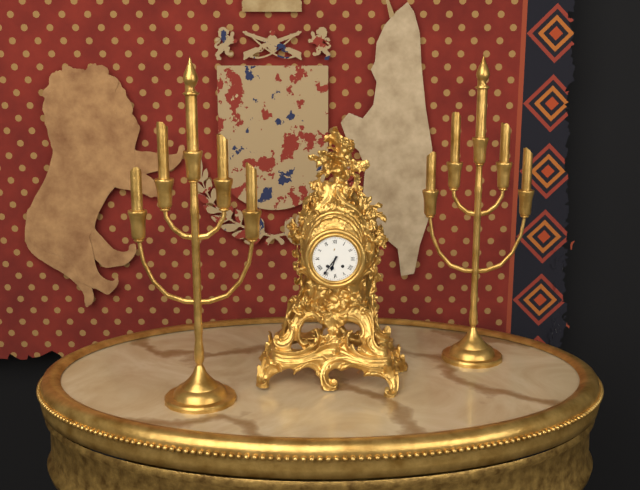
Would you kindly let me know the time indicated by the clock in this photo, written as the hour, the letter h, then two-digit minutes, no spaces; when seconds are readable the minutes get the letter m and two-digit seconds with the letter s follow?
6h36
